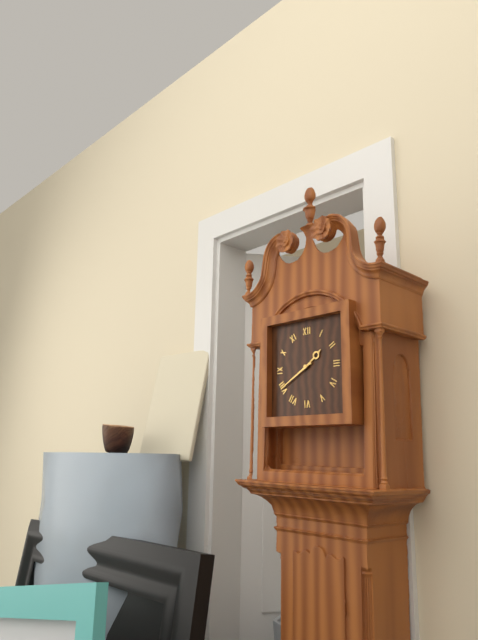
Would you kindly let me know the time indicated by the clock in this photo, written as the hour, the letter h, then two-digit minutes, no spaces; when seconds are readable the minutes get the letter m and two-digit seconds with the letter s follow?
1h40
